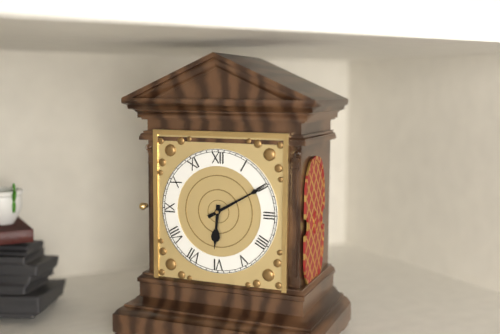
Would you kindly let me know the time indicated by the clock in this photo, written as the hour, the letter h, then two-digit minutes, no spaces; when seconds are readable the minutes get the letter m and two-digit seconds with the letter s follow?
6h10
